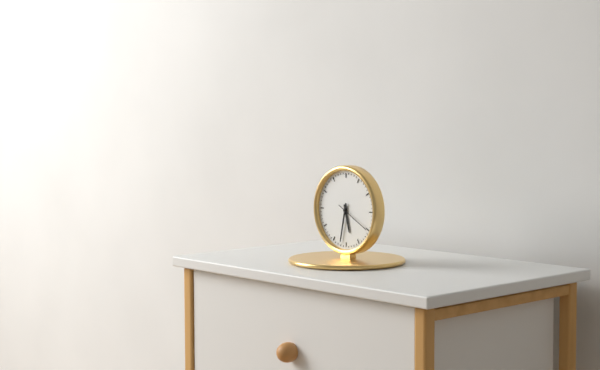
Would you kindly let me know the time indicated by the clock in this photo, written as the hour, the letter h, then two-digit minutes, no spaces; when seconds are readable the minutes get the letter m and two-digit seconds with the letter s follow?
5h32
